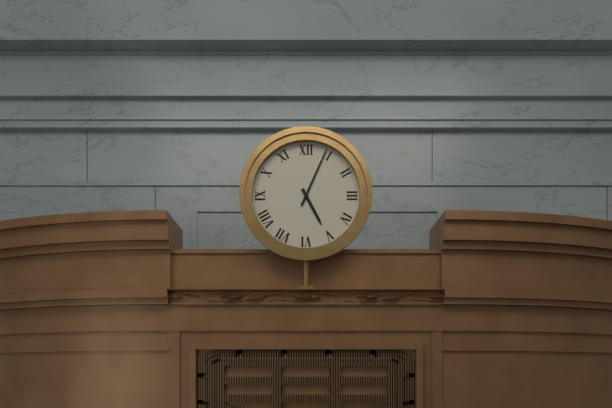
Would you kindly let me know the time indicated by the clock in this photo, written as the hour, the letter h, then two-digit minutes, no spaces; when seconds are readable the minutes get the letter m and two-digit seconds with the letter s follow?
5h04
